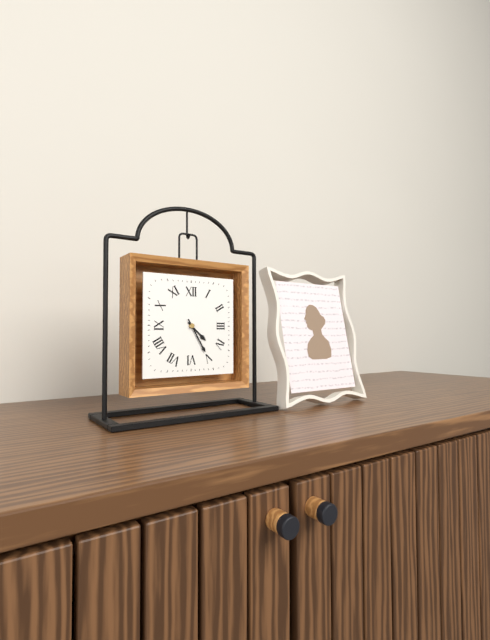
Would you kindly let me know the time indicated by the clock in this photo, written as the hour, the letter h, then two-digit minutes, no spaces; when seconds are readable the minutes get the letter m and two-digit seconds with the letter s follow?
4h25
